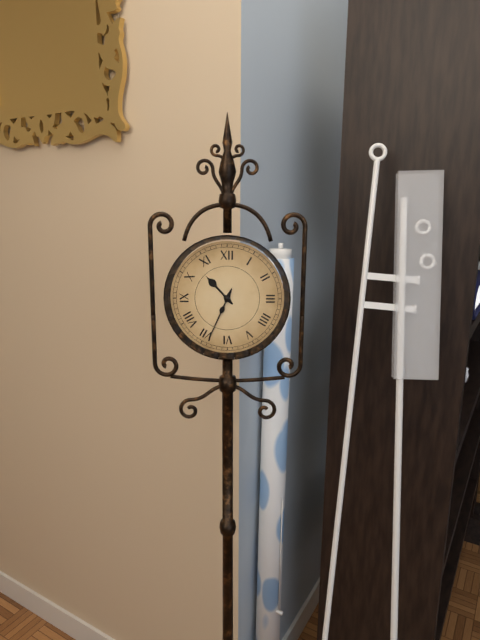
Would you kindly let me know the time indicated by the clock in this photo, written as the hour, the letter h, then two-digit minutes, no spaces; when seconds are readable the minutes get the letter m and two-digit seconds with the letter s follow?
10h34
